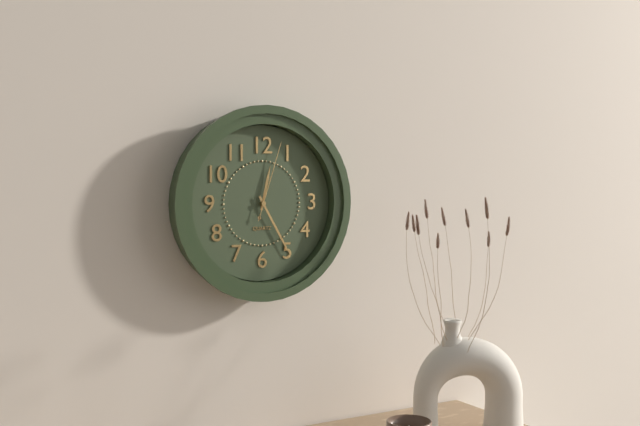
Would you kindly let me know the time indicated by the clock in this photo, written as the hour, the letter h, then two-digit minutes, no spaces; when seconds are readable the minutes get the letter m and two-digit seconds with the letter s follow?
12h25m03s
